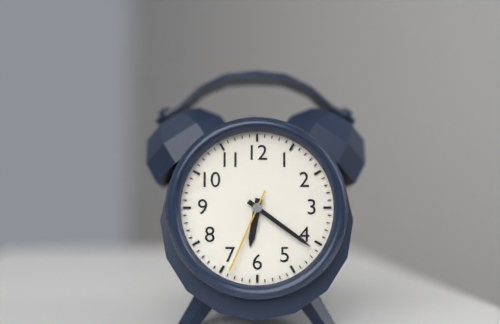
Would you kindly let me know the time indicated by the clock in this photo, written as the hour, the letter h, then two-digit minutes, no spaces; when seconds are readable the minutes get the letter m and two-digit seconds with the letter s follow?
6h21m34s
